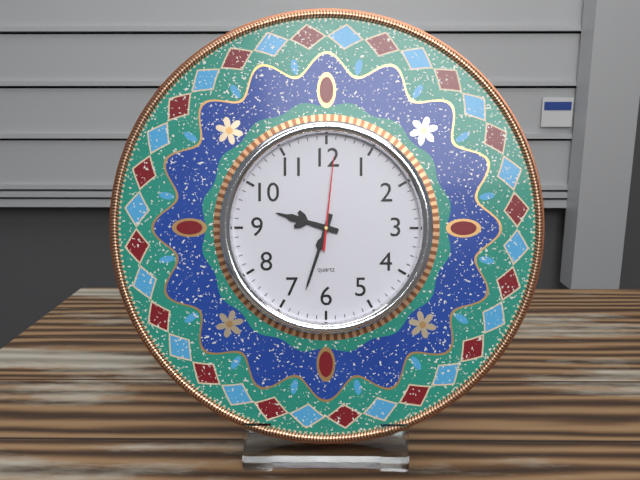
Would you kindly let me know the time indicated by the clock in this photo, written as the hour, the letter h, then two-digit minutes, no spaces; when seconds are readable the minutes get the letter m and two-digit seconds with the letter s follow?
9h33m01s
